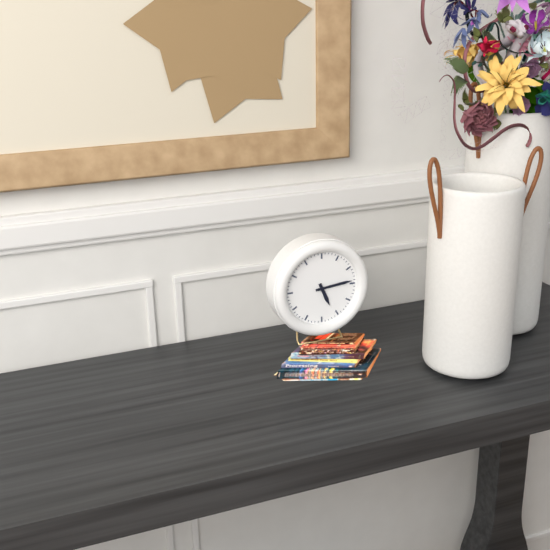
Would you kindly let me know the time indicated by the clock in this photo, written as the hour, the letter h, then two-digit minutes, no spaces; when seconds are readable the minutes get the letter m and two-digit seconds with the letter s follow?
5h14
